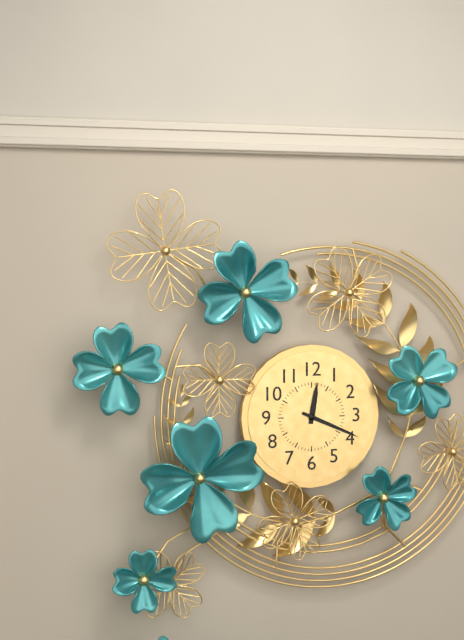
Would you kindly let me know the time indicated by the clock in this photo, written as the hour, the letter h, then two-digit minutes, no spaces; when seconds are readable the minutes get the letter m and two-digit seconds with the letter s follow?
12h19
